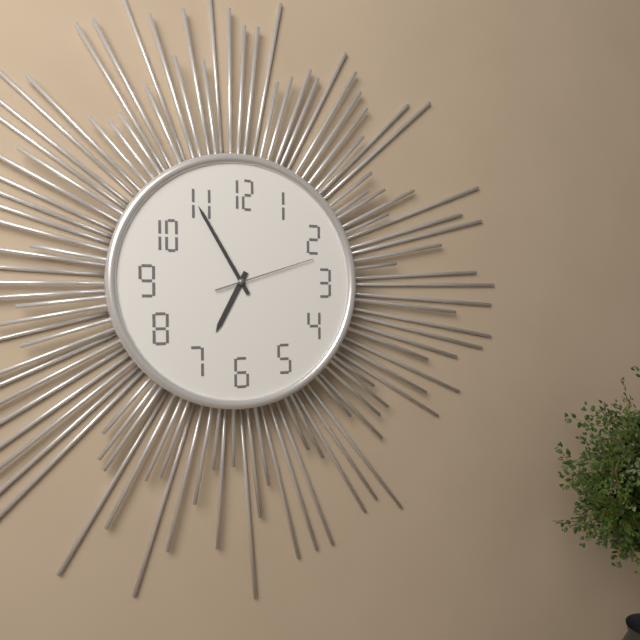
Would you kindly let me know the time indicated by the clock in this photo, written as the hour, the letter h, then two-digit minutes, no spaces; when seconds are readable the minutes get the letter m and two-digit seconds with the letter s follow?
6h55m12s
